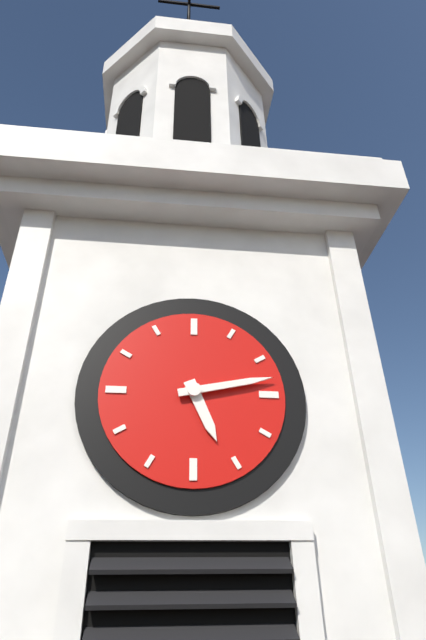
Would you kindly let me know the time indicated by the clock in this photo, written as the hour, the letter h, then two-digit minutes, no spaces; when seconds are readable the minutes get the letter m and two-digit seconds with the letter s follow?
5h13
